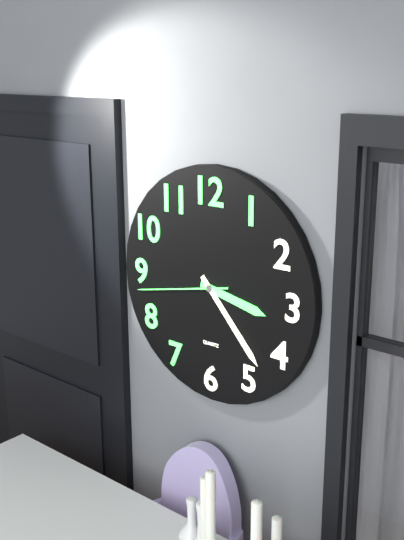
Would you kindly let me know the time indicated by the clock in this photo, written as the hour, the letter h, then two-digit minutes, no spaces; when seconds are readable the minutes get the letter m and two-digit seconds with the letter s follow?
3h23m43s
